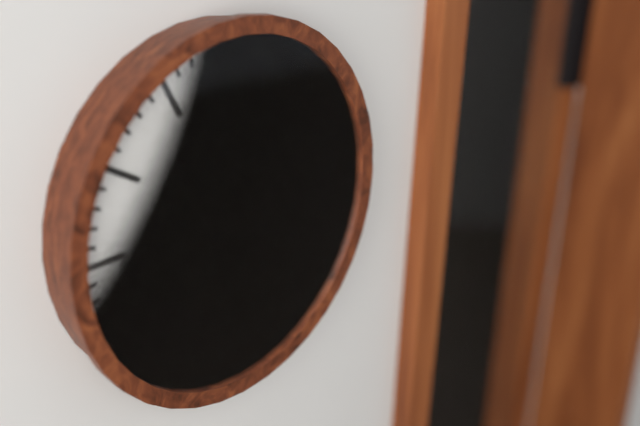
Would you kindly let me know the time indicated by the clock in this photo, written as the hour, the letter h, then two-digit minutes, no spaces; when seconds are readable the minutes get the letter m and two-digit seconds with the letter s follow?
5h13
